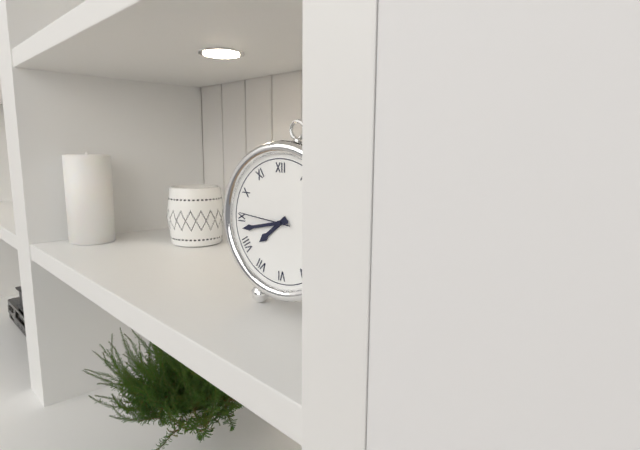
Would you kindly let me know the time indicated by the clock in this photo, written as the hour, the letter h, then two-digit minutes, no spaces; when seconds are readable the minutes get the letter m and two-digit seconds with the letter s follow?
7h43m46s
